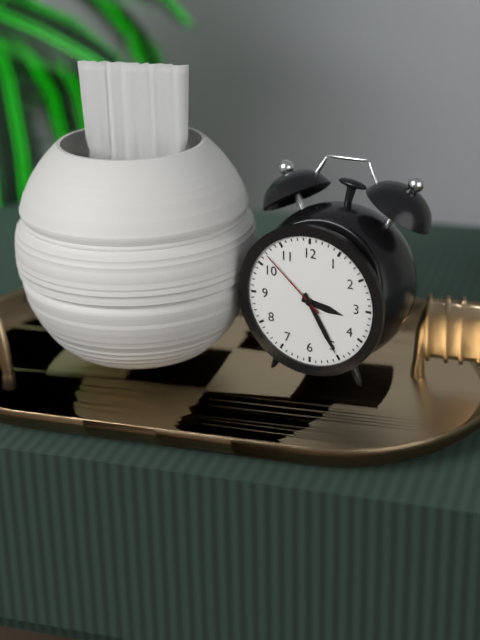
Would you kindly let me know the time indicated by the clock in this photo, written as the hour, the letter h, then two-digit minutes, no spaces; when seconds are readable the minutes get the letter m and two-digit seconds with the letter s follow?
3h25m52s
